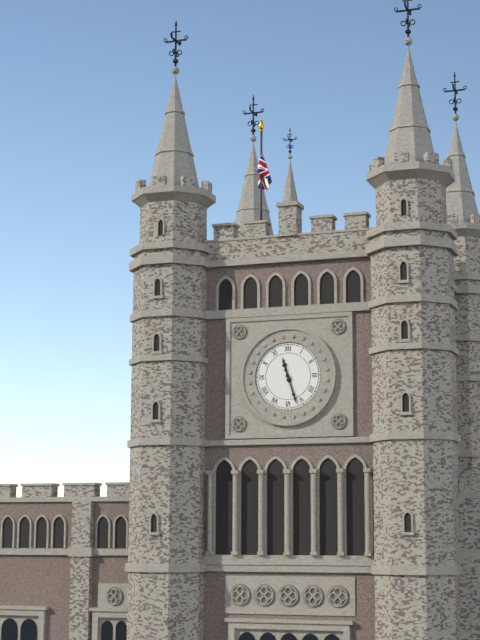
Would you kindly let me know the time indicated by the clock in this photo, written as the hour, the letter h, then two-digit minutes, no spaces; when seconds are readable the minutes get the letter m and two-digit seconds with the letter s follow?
11h27
